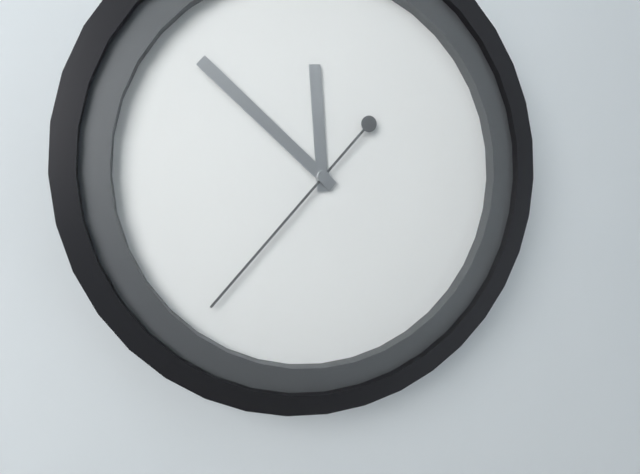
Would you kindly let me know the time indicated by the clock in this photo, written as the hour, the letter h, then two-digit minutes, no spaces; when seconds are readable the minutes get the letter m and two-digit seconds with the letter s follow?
11h52m37s
